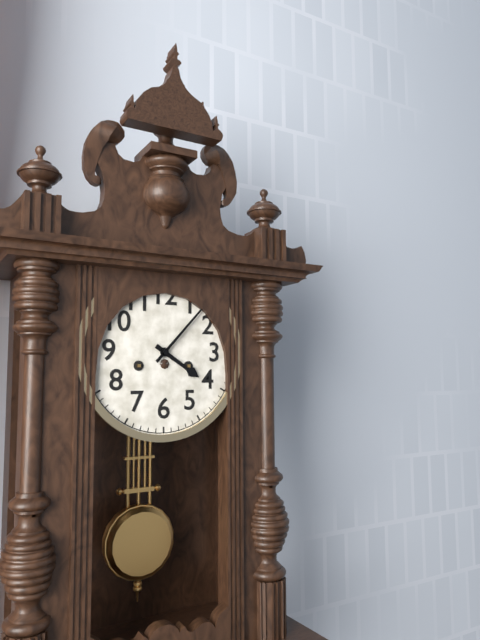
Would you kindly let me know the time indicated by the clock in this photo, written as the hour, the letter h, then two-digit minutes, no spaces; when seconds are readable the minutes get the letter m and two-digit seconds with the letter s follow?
4h07
